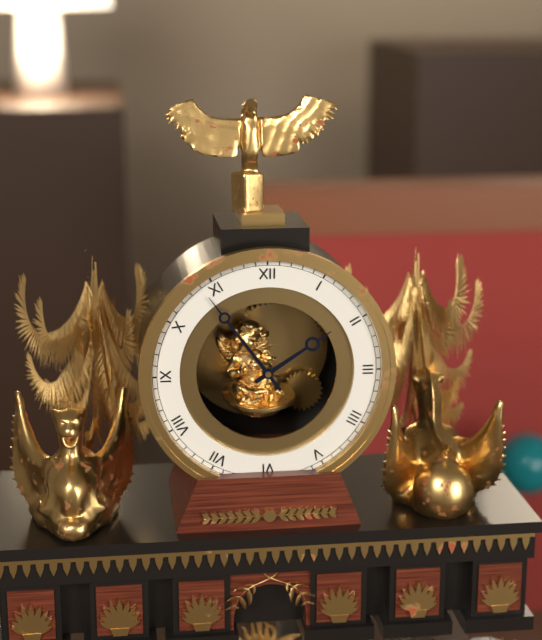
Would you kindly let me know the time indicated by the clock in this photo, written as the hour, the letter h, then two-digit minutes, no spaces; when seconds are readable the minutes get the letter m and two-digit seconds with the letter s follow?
1h54
